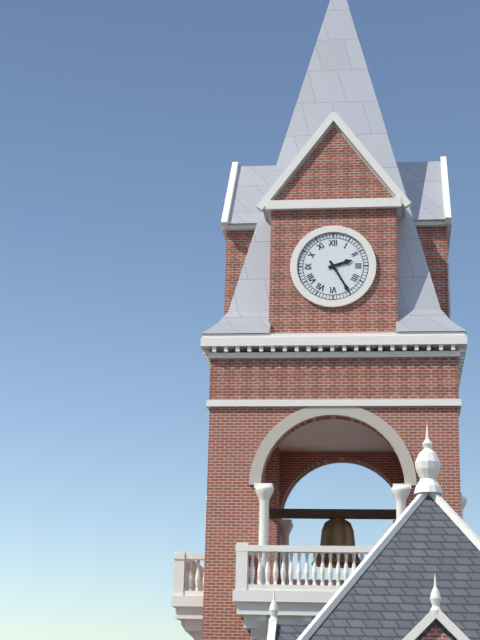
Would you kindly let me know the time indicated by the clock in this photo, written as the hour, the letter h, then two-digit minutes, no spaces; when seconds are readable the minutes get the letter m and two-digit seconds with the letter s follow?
2h25
